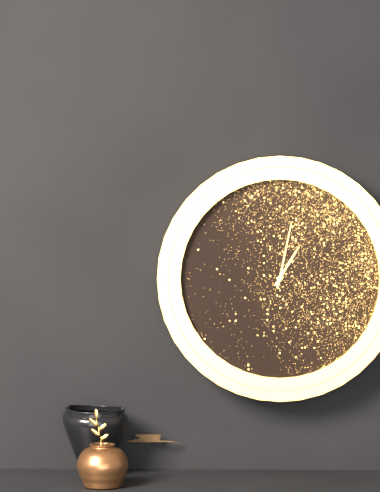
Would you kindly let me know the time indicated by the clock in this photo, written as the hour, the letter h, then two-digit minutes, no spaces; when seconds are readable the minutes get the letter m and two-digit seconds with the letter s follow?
1h02
